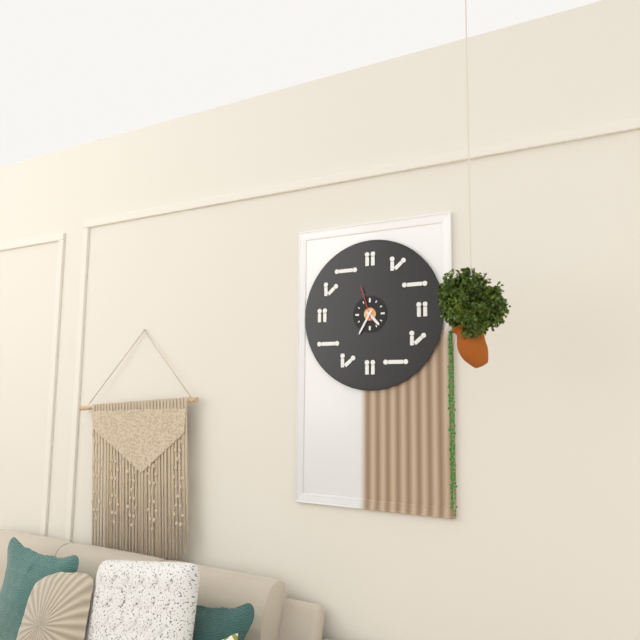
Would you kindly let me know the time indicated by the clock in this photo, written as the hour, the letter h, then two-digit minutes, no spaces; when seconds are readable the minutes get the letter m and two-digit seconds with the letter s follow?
4h35
